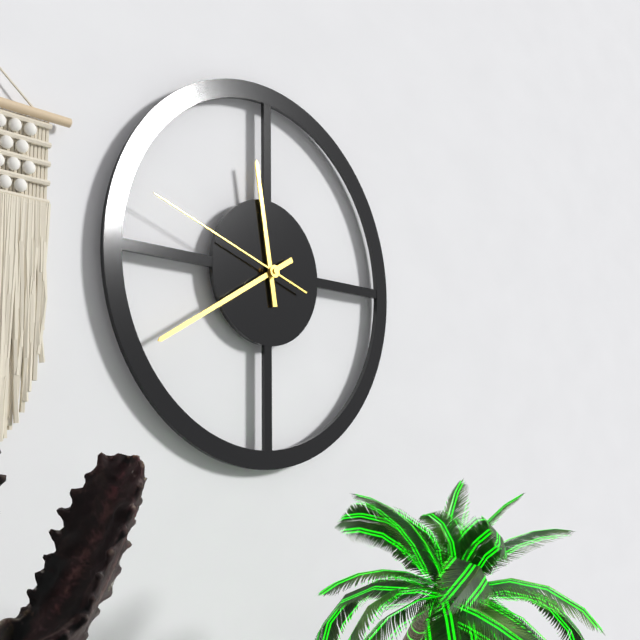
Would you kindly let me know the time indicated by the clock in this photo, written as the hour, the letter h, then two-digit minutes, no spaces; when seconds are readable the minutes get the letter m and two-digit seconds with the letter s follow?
11h40m48s
